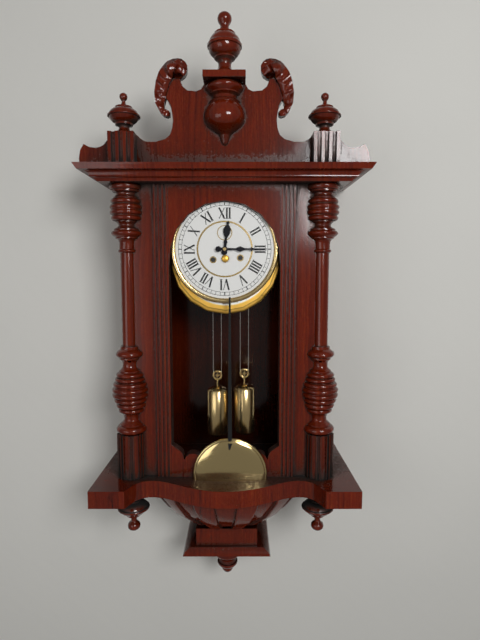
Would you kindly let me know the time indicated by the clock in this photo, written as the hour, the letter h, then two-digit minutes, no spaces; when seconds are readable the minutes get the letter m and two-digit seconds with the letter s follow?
12h15
